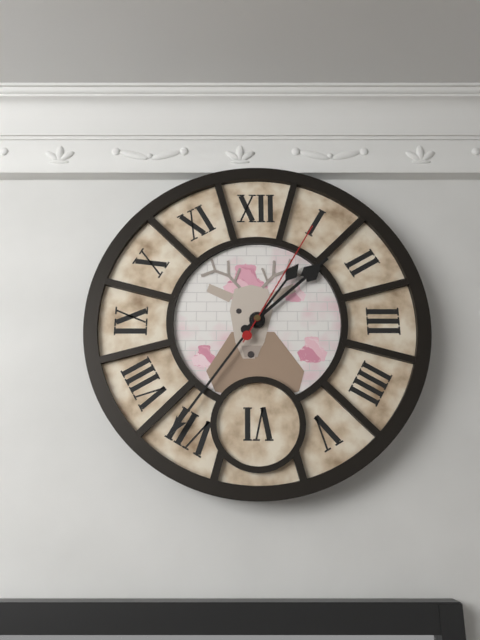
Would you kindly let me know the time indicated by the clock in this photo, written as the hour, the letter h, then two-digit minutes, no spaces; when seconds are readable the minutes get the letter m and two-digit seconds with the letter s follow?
1h36m05s
